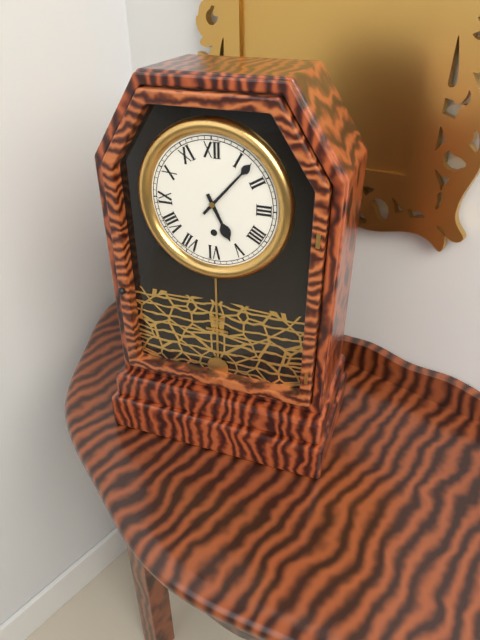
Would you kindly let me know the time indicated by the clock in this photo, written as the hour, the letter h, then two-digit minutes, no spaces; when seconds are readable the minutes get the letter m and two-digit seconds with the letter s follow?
5h07
